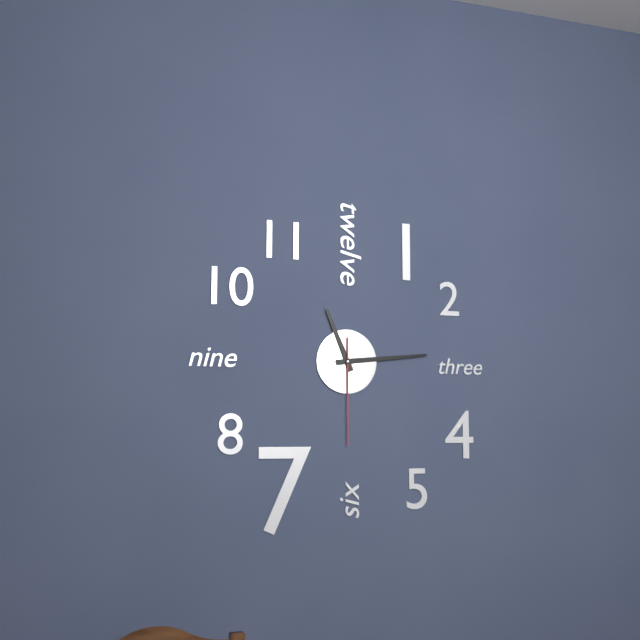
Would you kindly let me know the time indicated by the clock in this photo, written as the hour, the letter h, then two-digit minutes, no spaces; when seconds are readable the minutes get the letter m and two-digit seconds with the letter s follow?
11h14m30s
